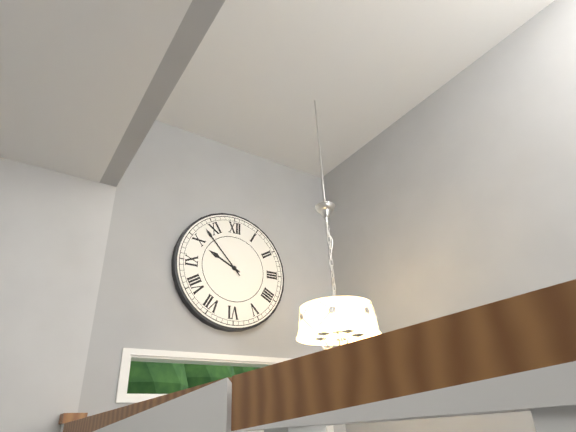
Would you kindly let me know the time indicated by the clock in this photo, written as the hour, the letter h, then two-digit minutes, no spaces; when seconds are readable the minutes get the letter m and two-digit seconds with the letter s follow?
9h53
